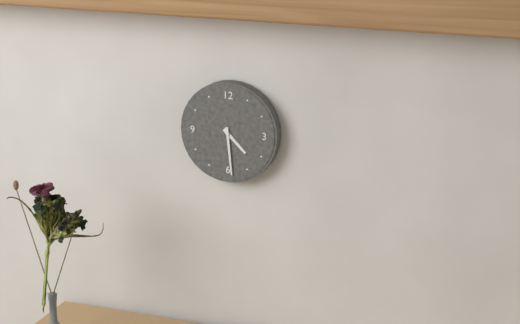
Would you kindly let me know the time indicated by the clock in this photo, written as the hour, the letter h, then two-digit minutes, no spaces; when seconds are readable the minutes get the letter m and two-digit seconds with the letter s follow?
4h29
